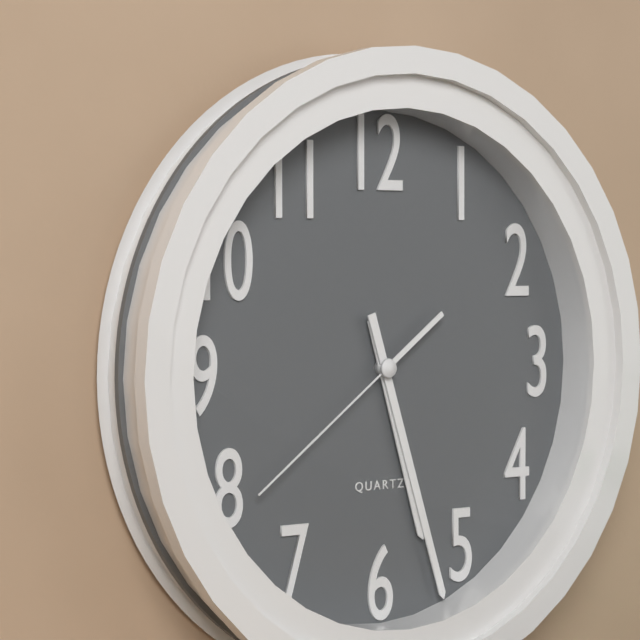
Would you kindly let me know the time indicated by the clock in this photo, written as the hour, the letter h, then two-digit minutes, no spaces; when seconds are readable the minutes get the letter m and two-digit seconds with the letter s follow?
5h27m39s
